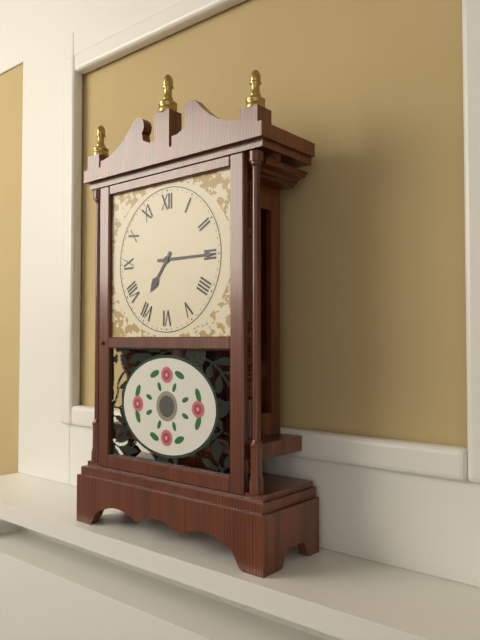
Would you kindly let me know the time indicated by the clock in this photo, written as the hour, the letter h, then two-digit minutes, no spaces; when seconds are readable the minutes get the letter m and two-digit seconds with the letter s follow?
7h15
